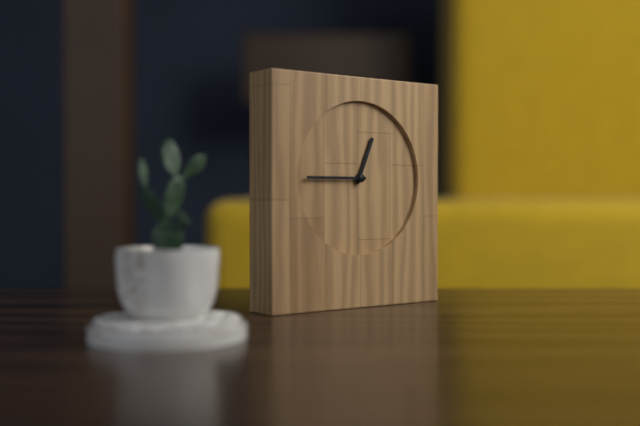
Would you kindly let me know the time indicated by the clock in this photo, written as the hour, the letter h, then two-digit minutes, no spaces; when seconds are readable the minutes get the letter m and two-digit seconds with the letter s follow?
12h45
